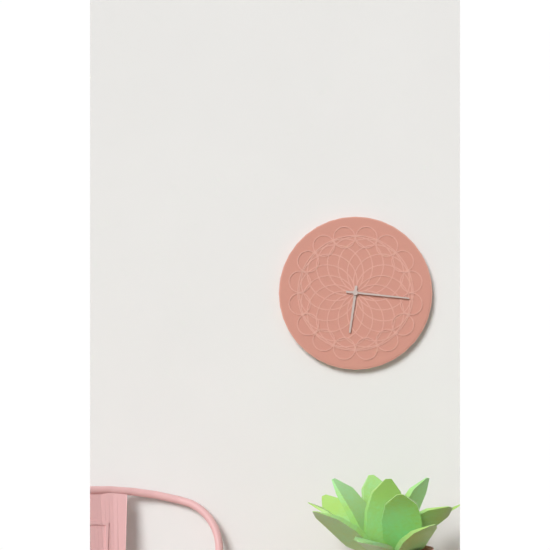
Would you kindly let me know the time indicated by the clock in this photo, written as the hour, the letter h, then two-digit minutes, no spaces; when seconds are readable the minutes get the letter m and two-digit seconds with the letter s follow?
6h16
